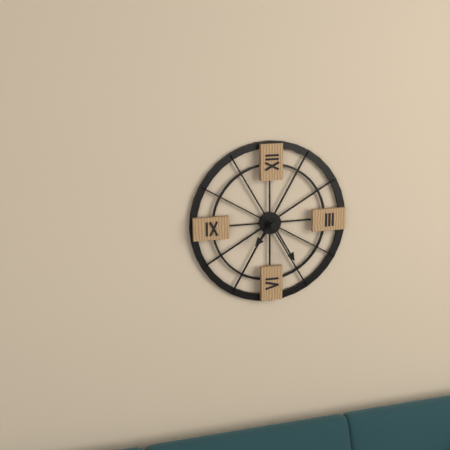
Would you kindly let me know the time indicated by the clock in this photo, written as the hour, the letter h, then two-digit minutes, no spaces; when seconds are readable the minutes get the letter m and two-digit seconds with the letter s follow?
7h25
